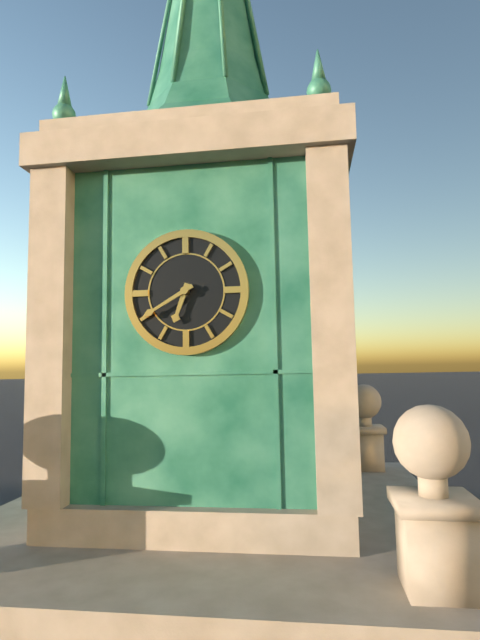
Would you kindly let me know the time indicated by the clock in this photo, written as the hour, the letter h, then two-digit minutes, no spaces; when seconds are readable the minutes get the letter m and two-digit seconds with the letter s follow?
6h40
